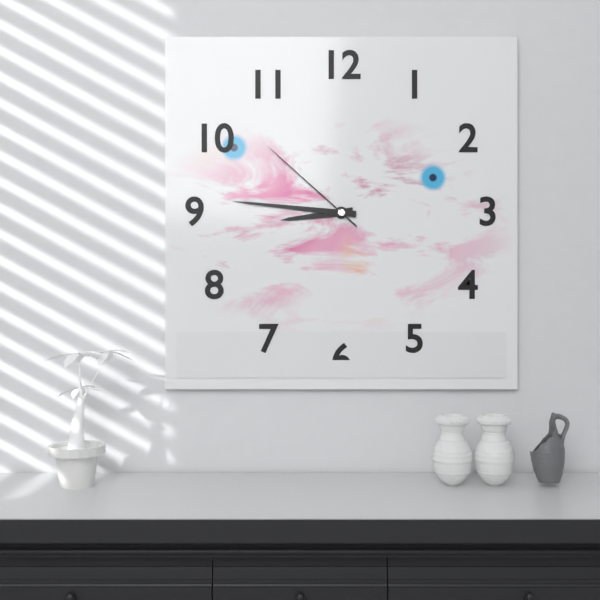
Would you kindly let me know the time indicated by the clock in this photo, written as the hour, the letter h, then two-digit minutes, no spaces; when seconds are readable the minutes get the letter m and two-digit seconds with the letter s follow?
8h46m52s
